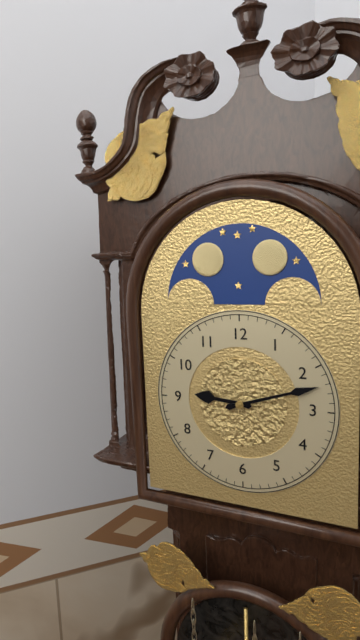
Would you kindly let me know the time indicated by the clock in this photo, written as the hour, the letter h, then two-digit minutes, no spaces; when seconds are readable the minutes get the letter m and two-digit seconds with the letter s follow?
9h12
